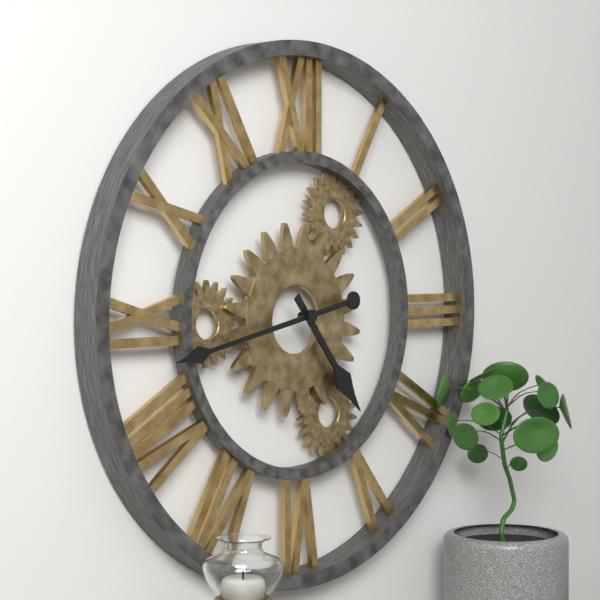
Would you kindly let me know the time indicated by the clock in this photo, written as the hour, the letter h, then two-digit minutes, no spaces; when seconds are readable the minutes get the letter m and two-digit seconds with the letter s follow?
4h43
